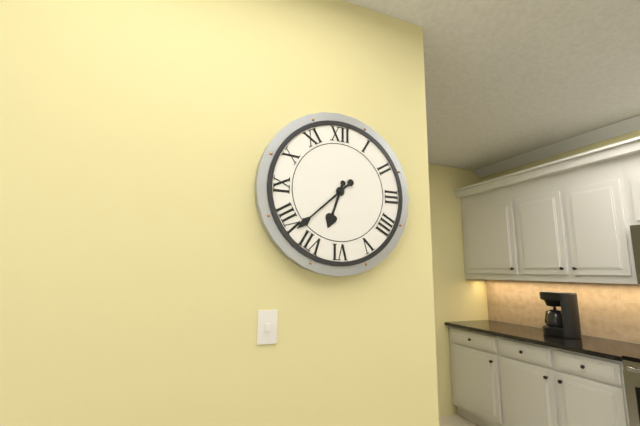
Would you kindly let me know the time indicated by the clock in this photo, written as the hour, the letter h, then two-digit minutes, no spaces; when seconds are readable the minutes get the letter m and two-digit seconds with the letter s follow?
6h38
